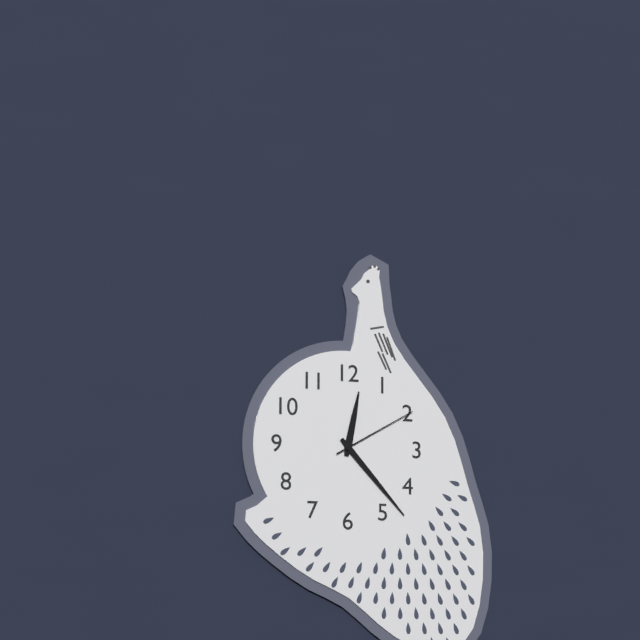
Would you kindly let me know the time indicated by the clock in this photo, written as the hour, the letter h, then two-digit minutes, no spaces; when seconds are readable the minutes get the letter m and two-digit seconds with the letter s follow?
12h23m10s
